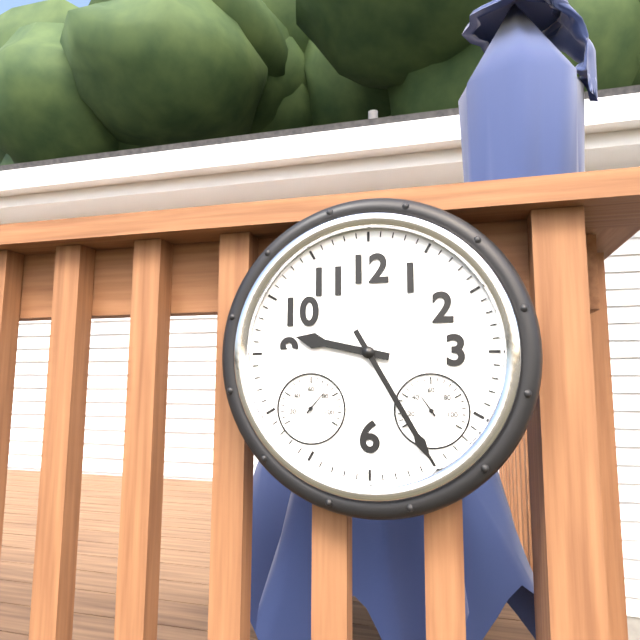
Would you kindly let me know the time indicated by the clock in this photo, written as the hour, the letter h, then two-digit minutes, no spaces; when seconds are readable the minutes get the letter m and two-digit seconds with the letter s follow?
9h25
